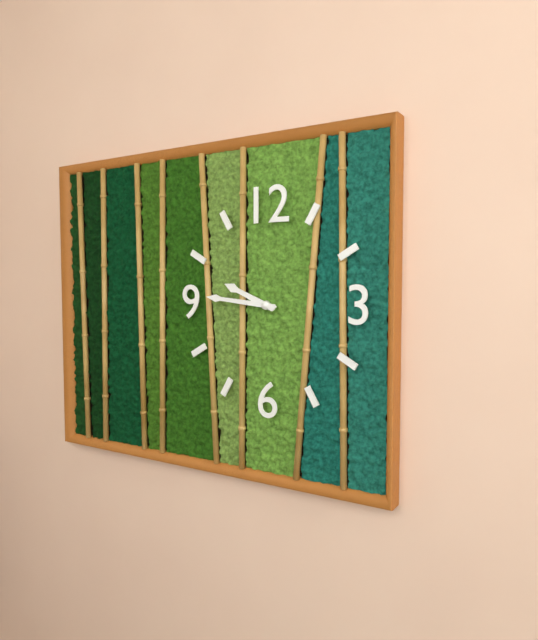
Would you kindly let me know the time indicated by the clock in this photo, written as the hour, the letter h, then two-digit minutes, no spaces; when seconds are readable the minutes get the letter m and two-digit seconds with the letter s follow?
9h46
